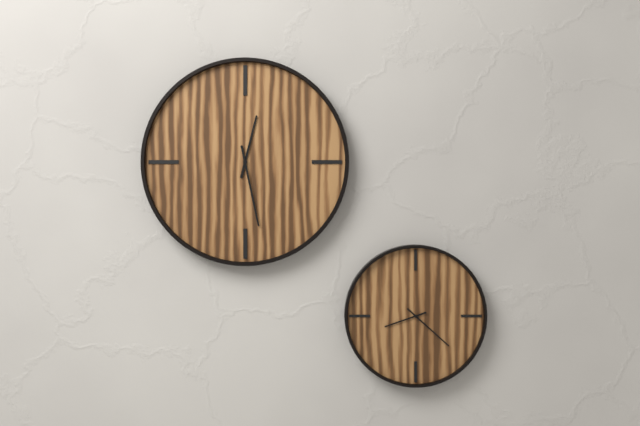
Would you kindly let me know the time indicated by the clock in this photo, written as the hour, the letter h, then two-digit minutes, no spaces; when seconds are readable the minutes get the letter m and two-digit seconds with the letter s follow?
12h28
